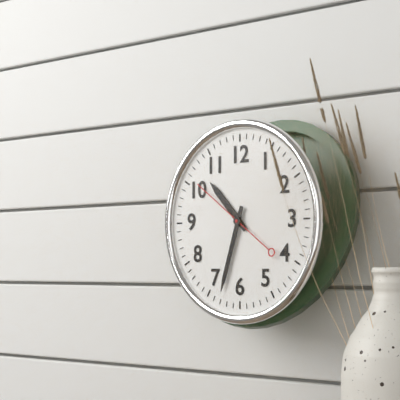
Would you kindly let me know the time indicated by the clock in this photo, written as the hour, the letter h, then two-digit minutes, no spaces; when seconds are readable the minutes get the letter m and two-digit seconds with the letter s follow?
10h33m51s
